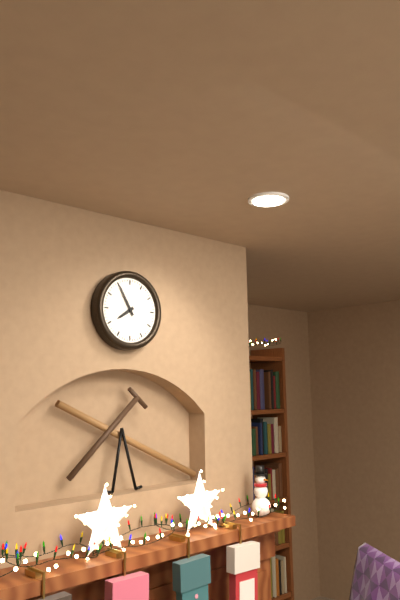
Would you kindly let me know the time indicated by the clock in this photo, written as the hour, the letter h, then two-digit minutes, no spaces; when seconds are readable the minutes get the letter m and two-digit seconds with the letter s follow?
7h55
